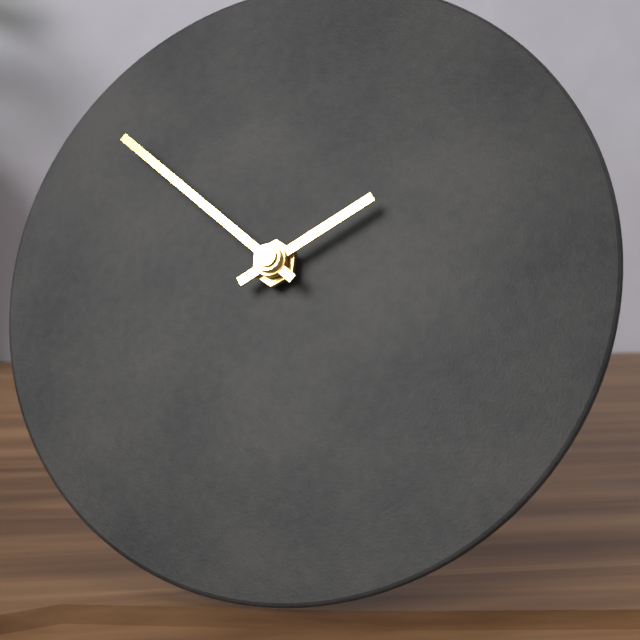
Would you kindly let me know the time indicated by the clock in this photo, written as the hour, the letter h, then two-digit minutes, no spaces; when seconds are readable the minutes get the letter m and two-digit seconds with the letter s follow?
1h51
